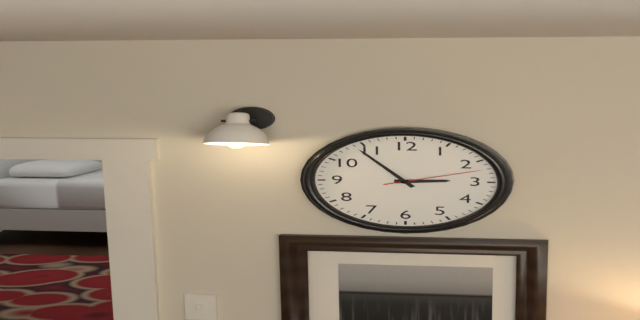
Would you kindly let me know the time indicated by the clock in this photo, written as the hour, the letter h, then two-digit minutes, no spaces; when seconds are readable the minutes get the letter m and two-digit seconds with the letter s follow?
2h54m12s
